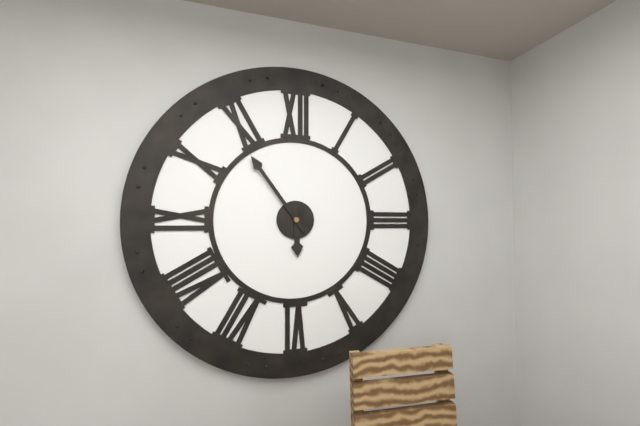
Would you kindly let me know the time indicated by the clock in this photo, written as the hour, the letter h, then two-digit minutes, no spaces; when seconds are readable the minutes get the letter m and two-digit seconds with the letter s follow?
5h54
